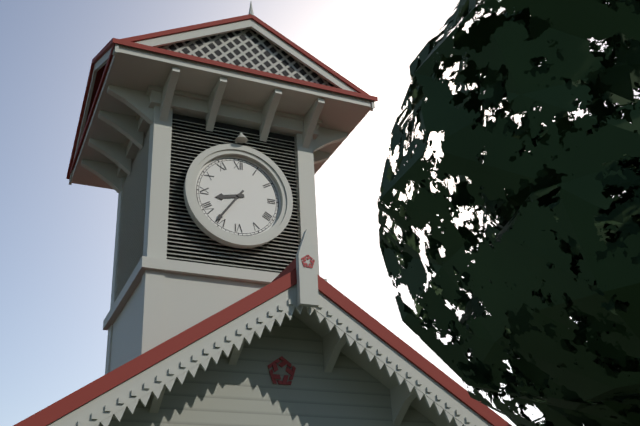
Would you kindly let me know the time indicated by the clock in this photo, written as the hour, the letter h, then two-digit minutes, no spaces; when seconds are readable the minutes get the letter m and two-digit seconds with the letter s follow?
8h36
